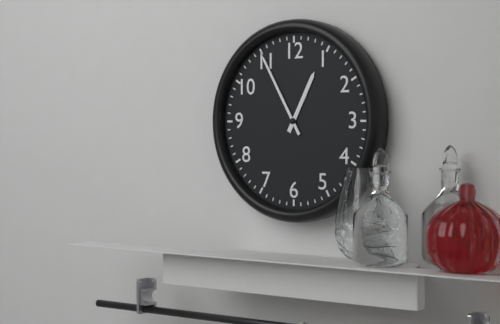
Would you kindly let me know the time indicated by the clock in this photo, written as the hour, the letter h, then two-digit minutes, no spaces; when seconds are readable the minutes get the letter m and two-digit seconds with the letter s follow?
12h55
